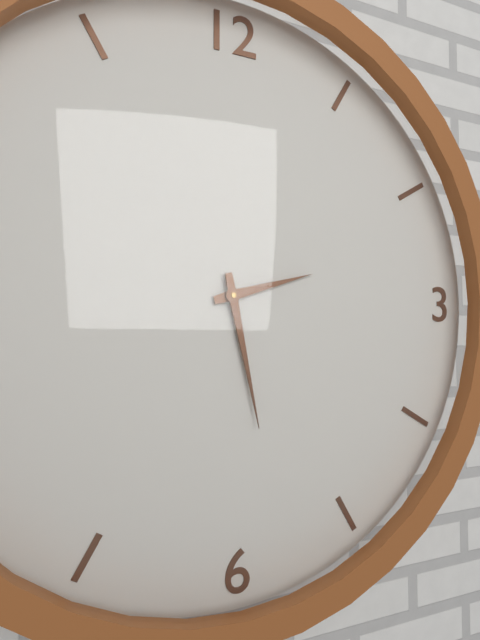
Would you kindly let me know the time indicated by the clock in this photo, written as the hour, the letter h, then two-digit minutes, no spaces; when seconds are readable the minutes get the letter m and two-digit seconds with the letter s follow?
2h28
